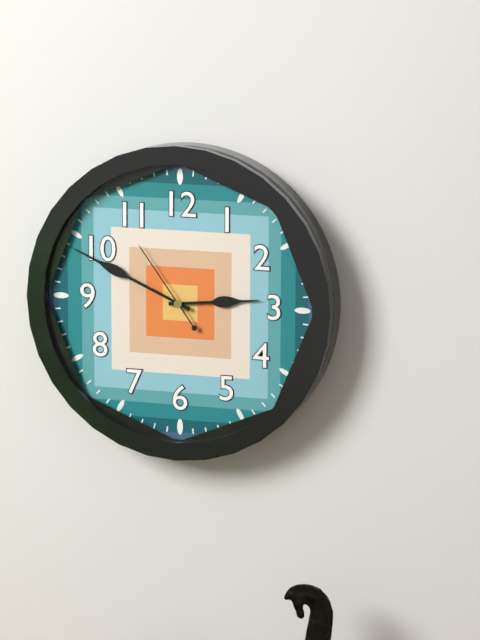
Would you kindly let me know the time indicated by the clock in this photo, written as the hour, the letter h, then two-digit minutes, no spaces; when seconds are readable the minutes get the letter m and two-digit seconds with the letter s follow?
2h49m54s
